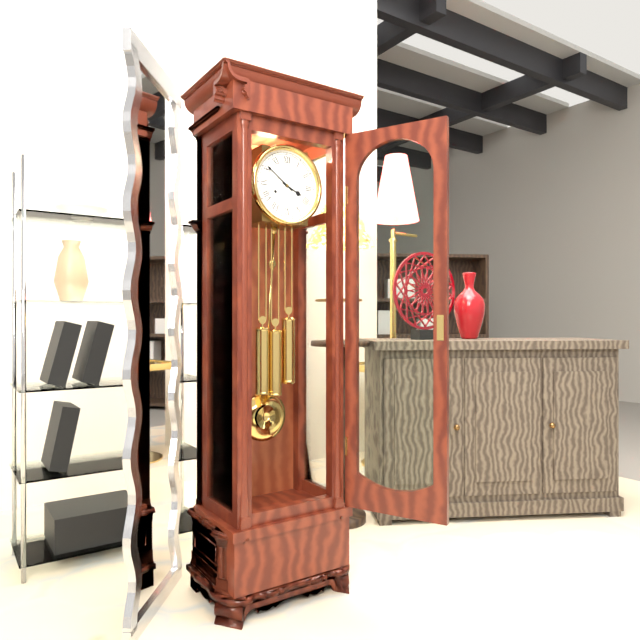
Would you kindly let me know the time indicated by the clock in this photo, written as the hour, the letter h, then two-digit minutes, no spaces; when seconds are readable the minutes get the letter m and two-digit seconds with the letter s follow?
3h51
